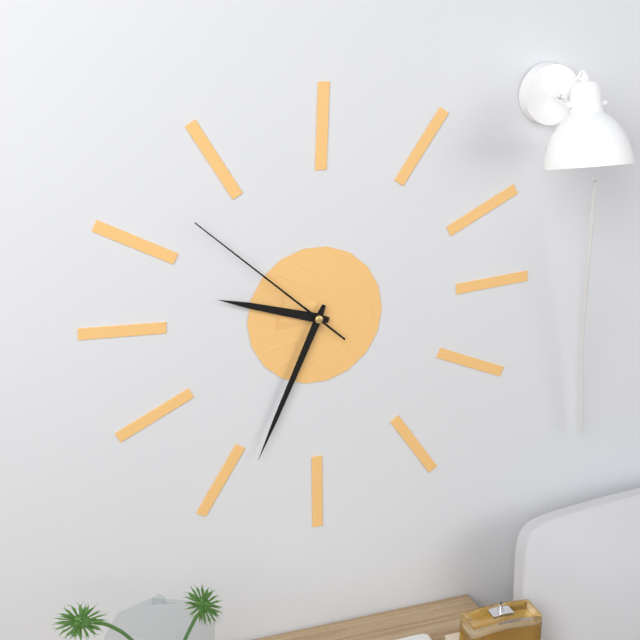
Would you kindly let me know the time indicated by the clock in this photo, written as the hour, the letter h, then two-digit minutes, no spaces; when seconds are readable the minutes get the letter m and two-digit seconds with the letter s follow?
9h34m52s
